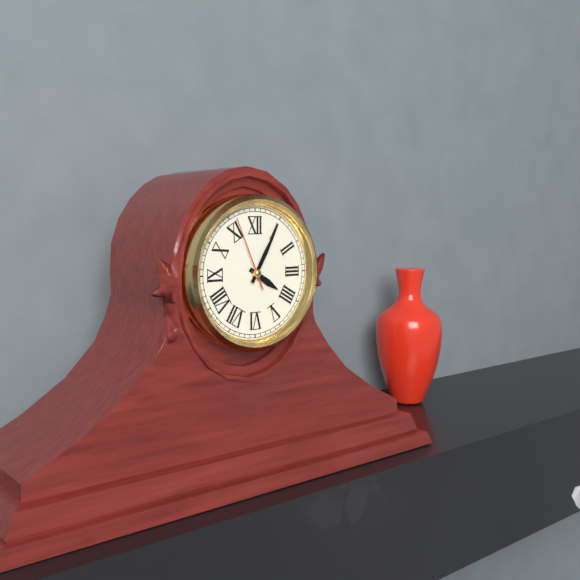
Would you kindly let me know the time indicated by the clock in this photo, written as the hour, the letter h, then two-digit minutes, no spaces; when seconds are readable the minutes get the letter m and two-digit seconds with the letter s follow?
4h05m56s
